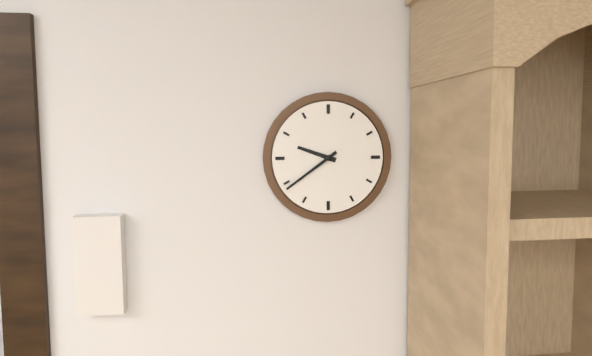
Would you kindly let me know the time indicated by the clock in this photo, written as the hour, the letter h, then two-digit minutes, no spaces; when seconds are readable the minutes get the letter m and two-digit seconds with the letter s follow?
9h39
